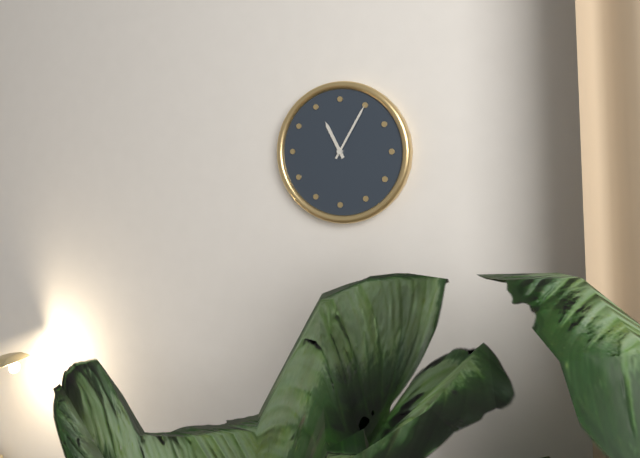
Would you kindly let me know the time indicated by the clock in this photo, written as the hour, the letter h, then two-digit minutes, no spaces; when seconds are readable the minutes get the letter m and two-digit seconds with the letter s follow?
11h05
